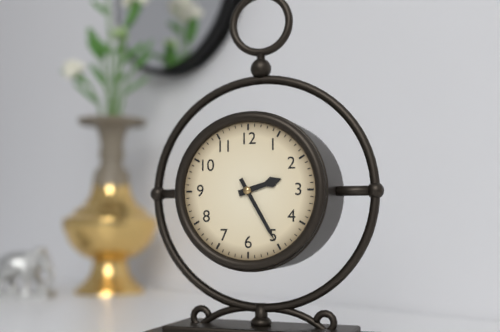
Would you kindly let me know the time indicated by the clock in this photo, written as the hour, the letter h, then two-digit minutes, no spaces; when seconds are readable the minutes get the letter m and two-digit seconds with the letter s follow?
2h25
